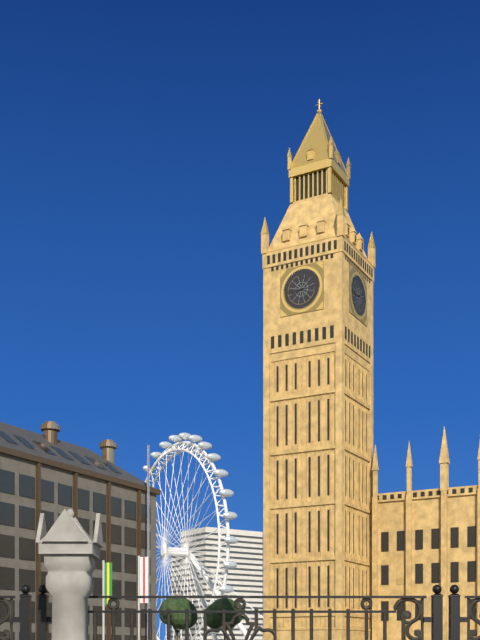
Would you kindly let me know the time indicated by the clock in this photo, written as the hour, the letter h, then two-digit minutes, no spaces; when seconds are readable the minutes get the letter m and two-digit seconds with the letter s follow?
8h45
